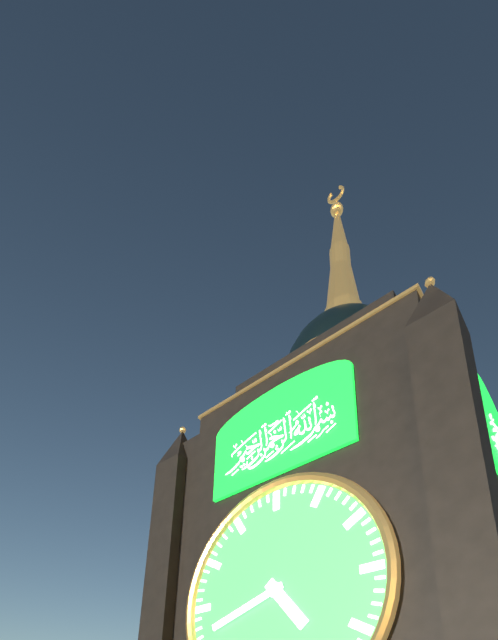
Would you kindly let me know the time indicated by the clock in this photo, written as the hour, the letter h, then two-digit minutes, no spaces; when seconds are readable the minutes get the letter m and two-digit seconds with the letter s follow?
4h42
